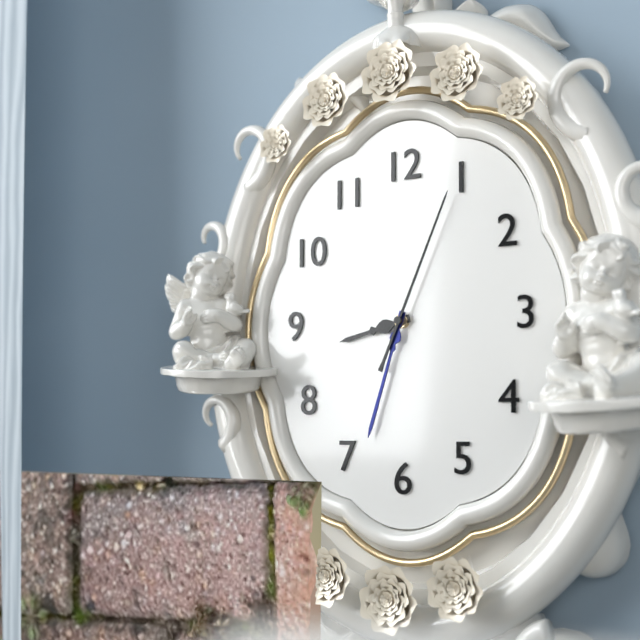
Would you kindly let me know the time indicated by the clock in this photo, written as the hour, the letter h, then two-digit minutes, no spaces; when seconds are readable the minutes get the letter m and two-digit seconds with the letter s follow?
8h33m04s
